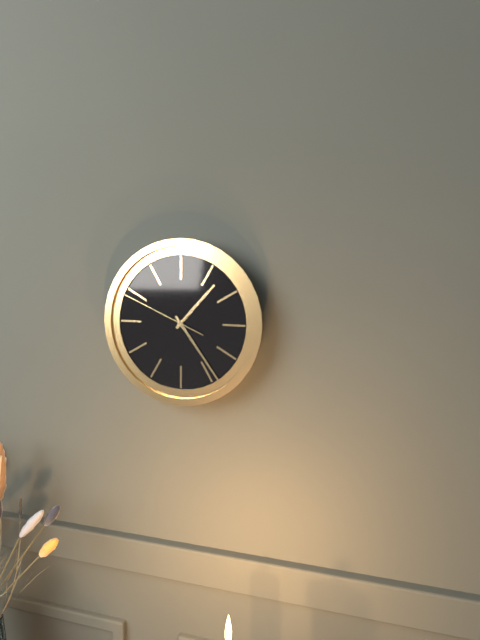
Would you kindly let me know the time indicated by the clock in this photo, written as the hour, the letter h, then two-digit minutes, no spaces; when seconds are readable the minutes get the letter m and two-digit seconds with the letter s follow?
1h24m49s
